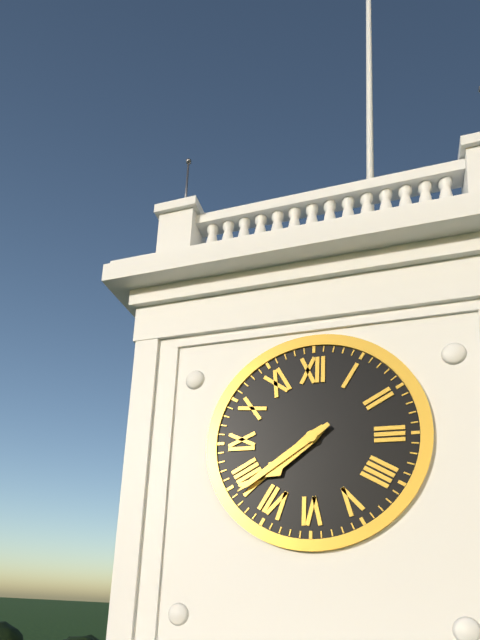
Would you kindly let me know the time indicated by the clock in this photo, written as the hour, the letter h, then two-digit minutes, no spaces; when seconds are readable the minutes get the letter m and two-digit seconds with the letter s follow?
7h39
